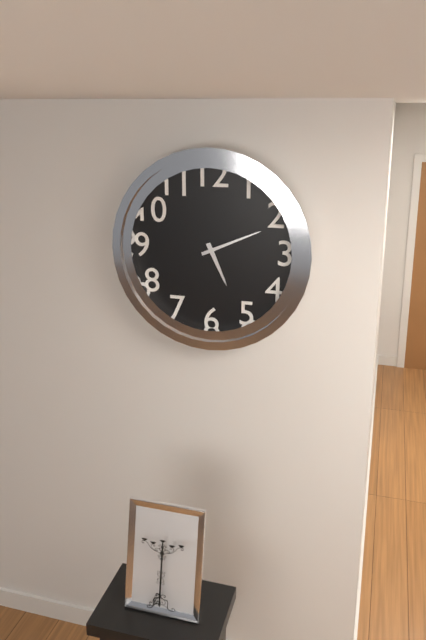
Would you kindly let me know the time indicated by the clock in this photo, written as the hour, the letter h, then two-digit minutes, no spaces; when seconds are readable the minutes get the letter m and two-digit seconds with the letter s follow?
5h11
